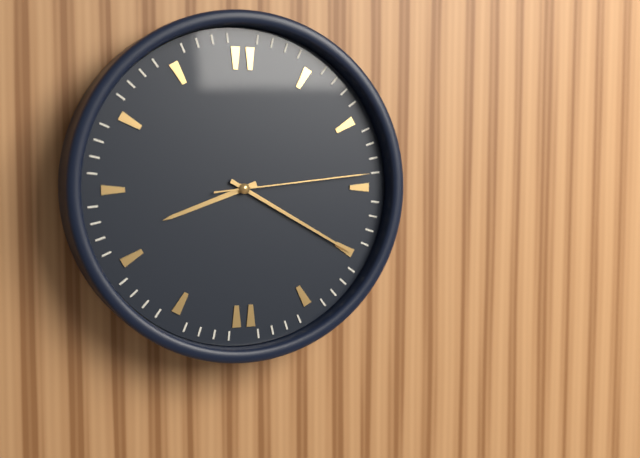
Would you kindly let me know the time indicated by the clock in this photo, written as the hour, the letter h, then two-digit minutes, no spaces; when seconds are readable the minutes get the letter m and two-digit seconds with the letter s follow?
8h20m14s
